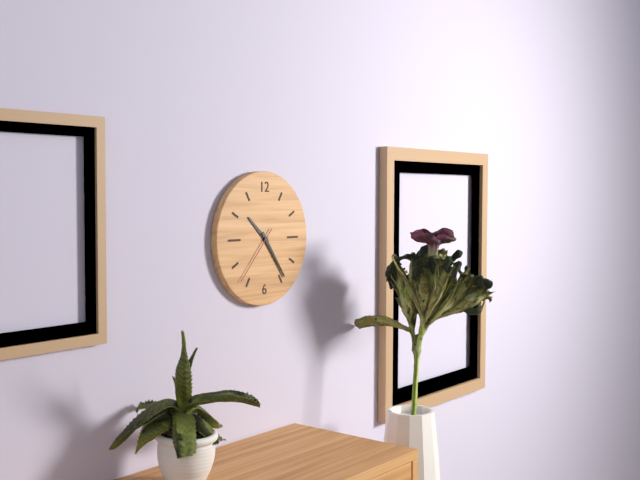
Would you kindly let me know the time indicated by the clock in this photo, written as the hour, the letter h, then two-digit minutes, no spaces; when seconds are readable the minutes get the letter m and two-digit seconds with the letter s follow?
10h24m37s
